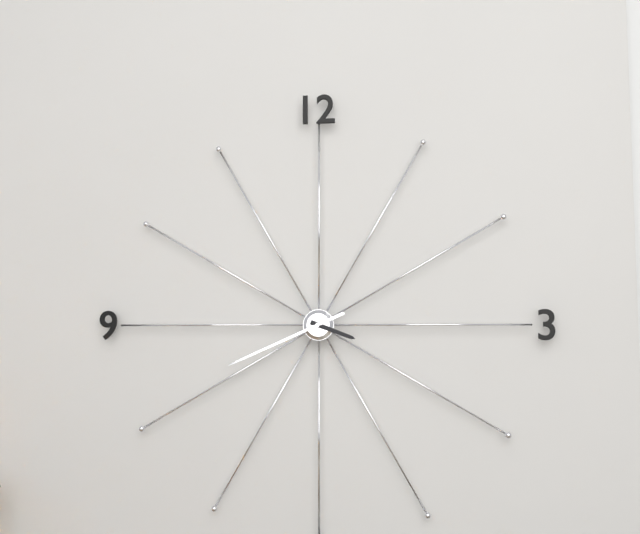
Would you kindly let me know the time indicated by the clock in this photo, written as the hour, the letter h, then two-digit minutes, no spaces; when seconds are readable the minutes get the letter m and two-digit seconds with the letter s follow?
3h41
